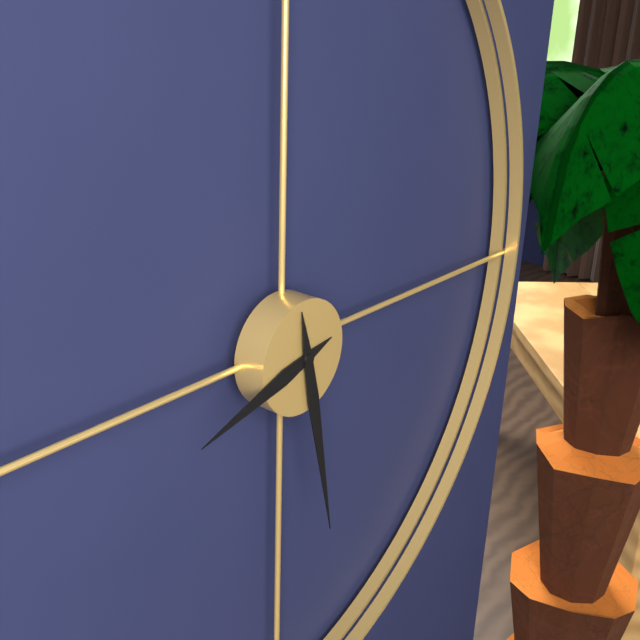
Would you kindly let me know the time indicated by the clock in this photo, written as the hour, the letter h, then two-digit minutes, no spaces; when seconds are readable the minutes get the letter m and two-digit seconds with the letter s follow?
8h28
